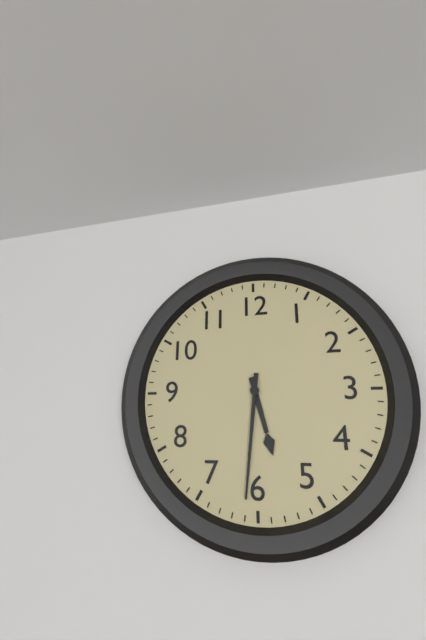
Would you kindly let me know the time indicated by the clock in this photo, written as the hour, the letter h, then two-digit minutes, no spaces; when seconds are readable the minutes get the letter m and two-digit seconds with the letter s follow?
5h31
